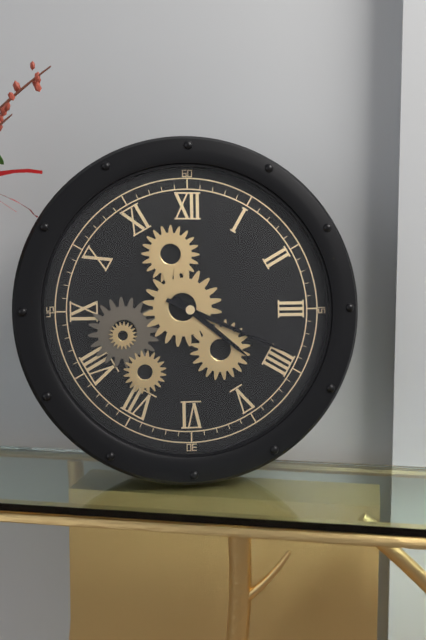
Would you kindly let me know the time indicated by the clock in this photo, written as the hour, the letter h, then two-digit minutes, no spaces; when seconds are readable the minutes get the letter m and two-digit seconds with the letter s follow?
4h19
